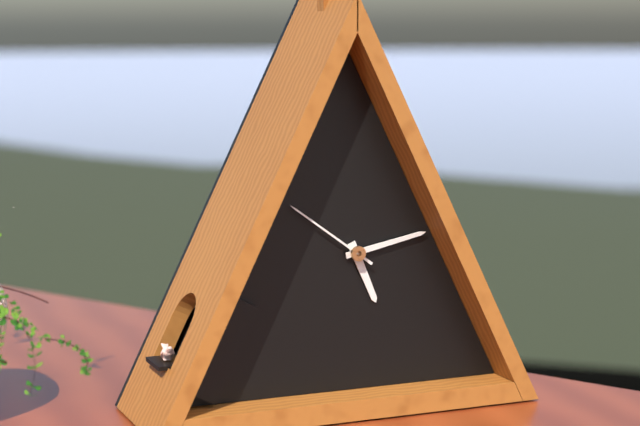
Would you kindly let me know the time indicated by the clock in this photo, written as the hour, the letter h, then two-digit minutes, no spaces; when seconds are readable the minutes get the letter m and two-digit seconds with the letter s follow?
5h13m51s
